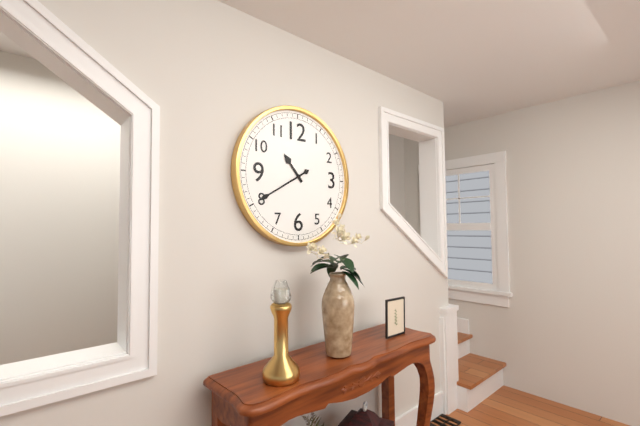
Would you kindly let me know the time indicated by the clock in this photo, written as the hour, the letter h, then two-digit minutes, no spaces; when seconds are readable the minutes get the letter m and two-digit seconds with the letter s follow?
10h40
